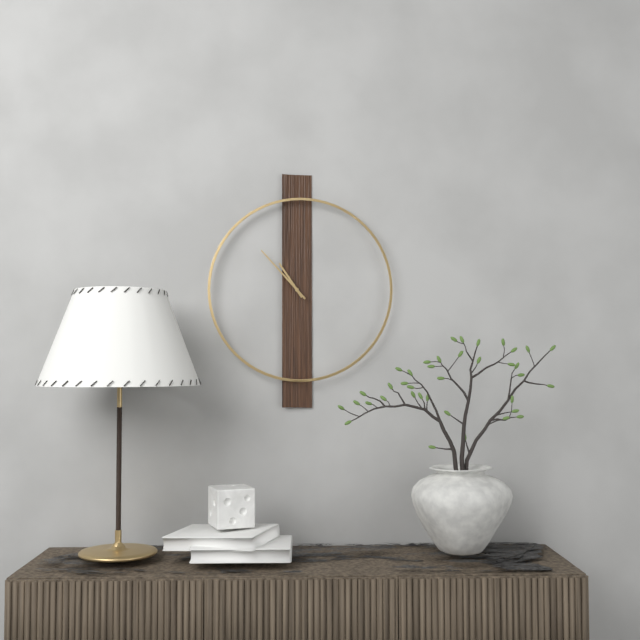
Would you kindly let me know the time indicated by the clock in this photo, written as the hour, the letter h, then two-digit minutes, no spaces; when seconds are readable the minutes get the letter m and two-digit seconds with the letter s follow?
10h53
